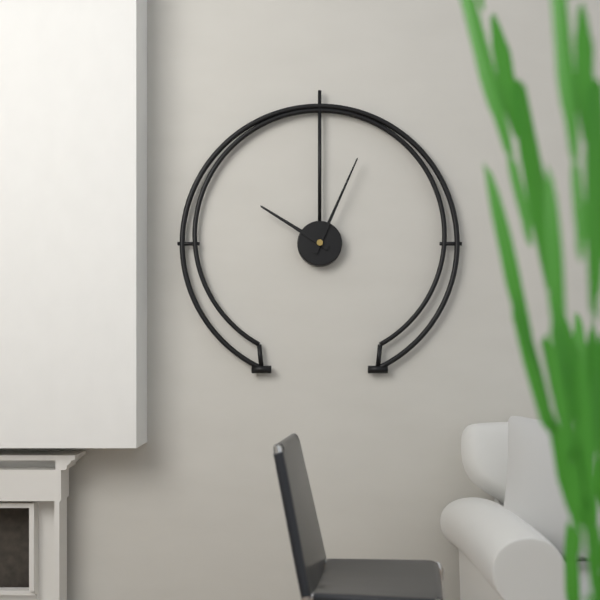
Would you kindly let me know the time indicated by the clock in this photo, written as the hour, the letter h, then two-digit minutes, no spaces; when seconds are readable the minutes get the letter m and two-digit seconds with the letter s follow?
10h04
